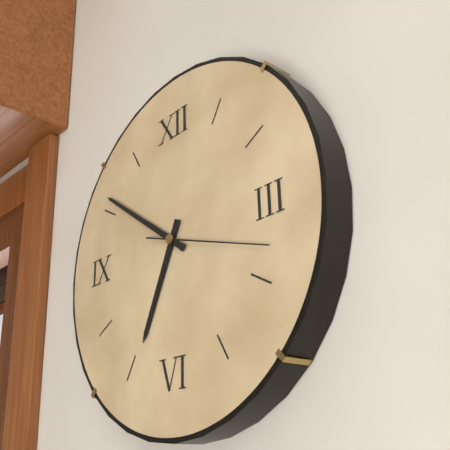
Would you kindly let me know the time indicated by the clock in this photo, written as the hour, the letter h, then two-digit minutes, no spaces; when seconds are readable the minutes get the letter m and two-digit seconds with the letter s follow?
6h51m18s
